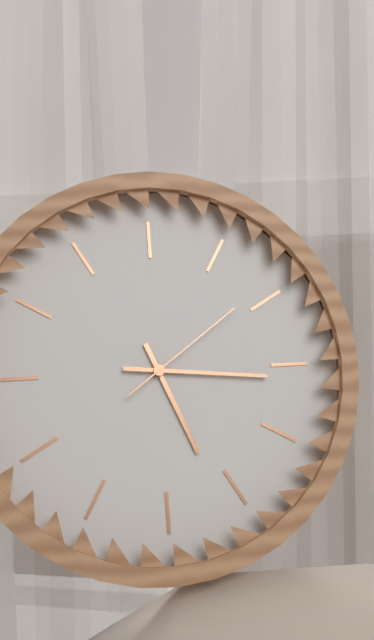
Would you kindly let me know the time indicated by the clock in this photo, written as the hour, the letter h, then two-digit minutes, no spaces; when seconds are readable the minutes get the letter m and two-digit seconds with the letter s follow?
5h16m09s
